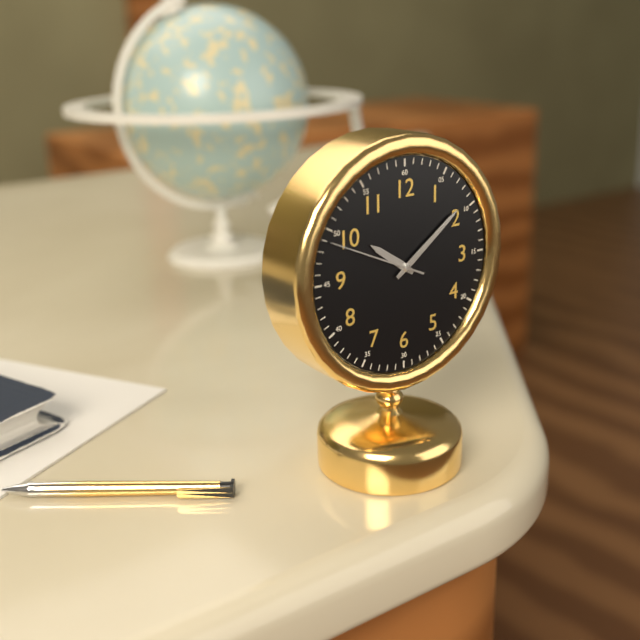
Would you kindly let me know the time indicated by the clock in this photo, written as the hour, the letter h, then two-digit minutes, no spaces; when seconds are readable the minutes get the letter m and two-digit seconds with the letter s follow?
10h09m49s
